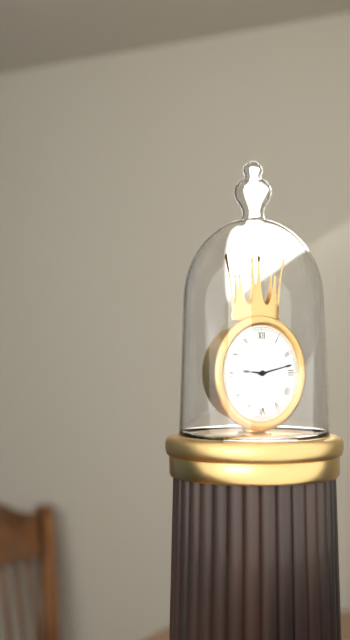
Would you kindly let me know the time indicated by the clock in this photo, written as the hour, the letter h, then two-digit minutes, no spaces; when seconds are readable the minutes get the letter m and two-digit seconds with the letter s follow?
9h13
